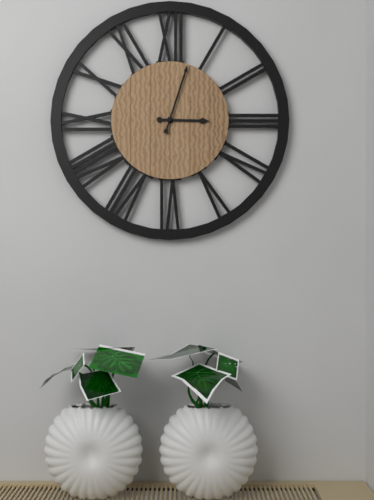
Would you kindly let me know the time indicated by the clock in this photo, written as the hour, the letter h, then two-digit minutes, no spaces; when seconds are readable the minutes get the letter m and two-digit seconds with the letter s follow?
3h03
